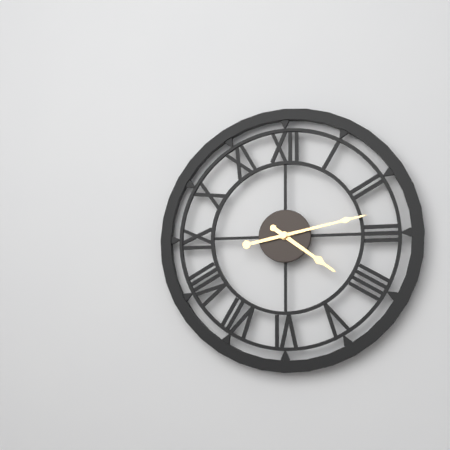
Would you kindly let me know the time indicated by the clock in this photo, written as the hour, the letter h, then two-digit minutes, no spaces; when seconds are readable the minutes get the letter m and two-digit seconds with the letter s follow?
4h13
